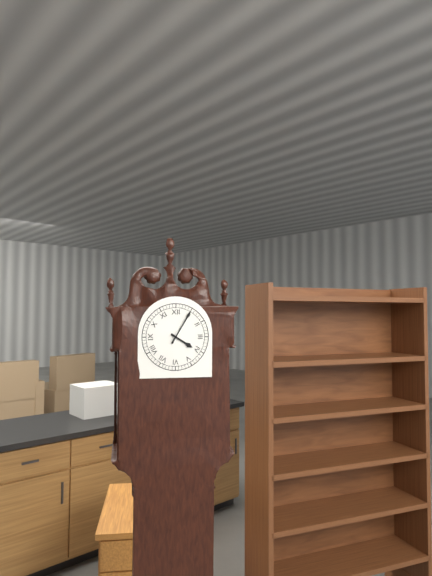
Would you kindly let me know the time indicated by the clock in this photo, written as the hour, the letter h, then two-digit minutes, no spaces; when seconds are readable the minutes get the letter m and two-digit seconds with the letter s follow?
4h05
